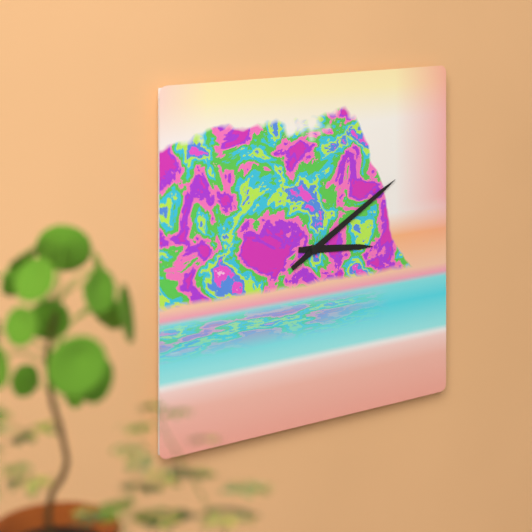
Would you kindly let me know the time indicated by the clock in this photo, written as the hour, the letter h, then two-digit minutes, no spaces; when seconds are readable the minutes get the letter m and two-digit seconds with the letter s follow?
3h10
